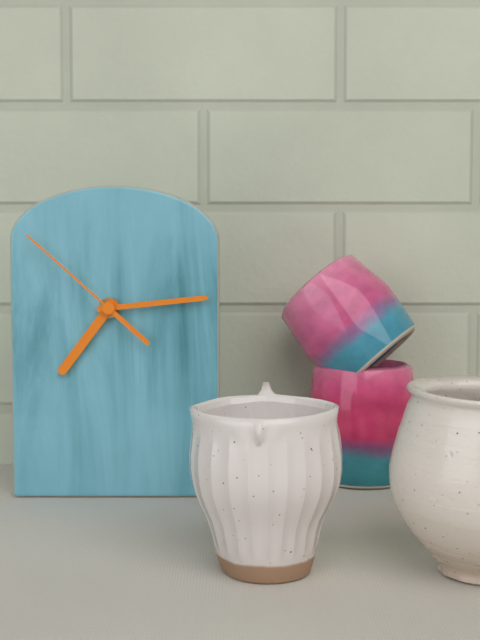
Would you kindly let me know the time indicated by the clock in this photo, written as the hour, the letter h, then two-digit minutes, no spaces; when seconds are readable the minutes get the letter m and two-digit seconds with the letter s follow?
7h14m52s
